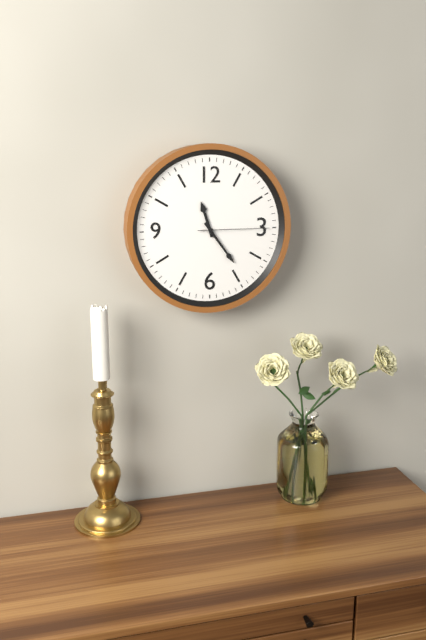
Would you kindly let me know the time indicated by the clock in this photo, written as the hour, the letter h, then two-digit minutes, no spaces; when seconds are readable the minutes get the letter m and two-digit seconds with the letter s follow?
11h24m15s
